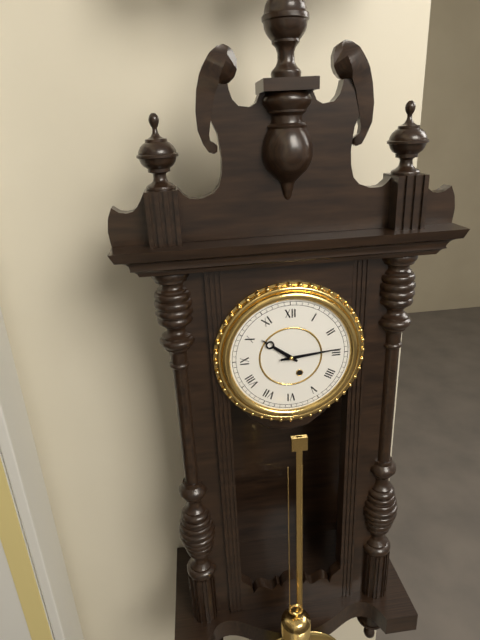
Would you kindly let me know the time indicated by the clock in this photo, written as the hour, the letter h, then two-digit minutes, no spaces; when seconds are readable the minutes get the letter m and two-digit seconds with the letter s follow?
10h14
